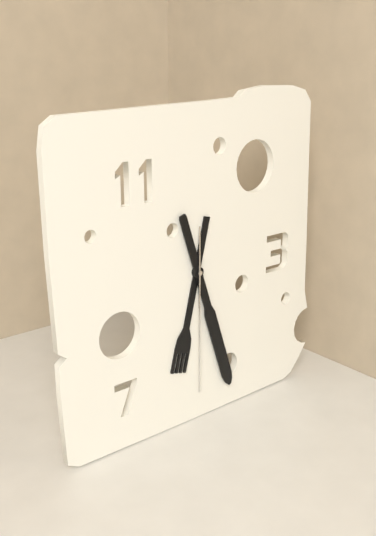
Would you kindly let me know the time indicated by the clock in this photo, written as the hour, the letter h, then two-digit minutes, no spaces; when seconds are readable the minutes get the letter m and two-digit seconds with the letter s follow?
6h27m30s
